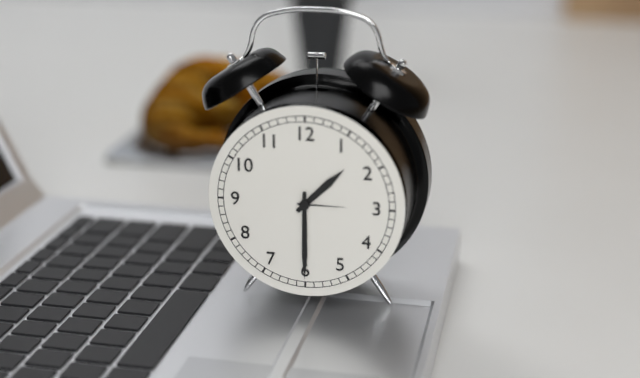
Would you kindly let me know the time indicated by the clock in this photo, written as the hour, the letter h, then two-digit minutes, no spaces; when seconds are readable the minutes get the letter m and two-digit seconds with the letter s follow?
1h30
